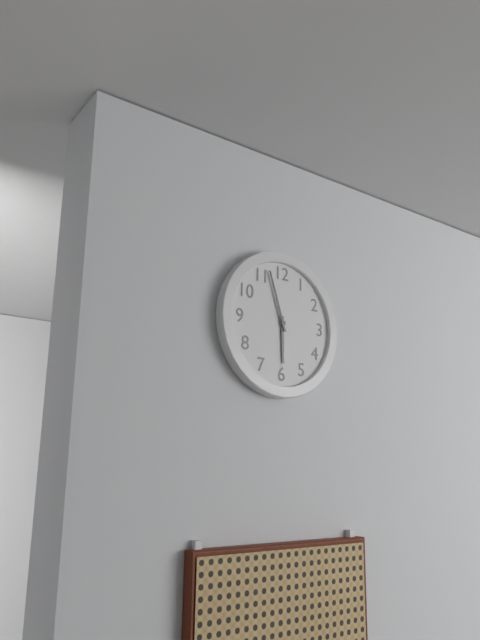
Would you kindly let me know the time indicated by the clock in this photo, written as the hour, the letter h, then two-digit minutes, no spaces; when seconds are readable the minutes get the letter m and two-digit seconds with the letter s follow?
5h57
